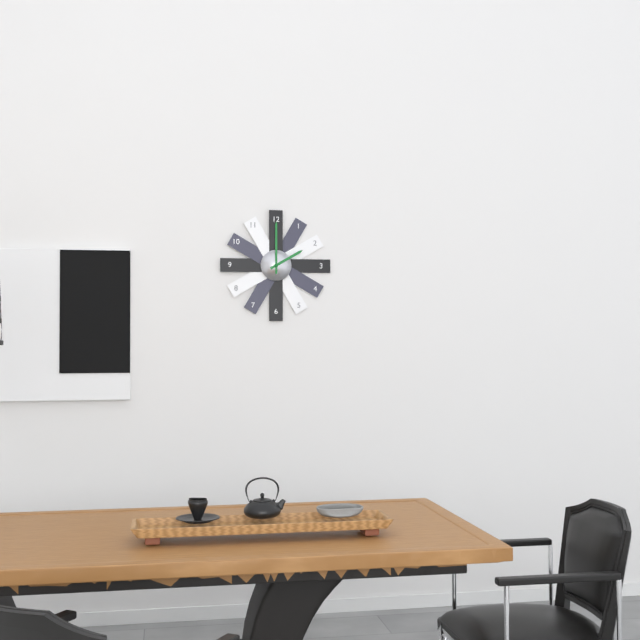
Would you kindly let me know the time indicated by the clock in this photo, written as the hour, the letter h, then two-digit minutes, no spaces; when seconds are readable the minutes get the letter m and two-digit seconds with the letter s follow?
2h00
